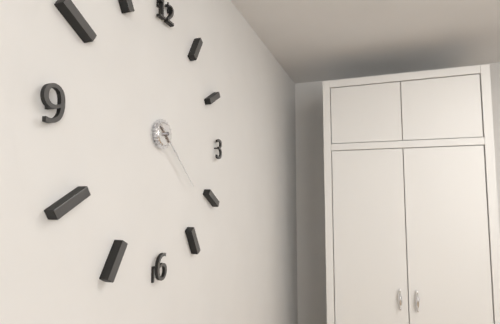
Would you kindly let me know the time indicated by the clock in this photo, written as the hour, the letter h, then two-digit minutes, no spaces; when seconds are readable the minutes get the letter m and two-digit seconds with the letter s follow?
4h22
